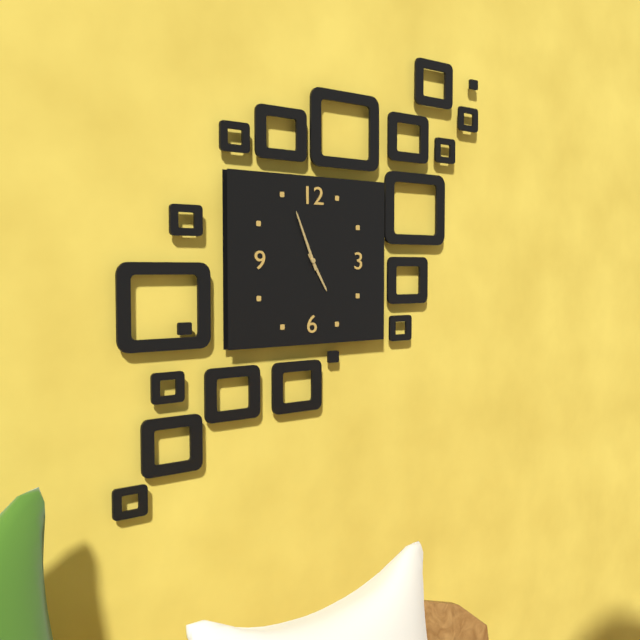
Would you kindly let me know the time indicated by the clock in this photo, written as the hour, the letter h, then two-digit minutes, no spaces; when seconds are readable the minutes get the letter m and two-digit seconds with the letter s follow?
4h56
